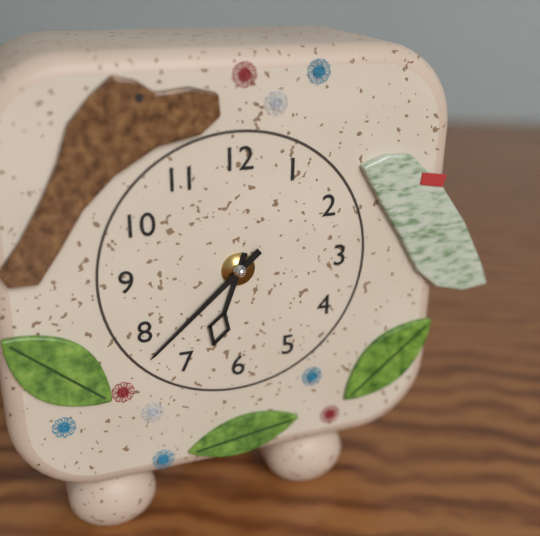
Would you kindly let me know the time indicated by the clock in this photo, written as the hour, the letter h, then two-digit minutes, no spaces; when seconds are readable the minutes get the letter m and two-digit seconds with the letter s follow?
6h38
